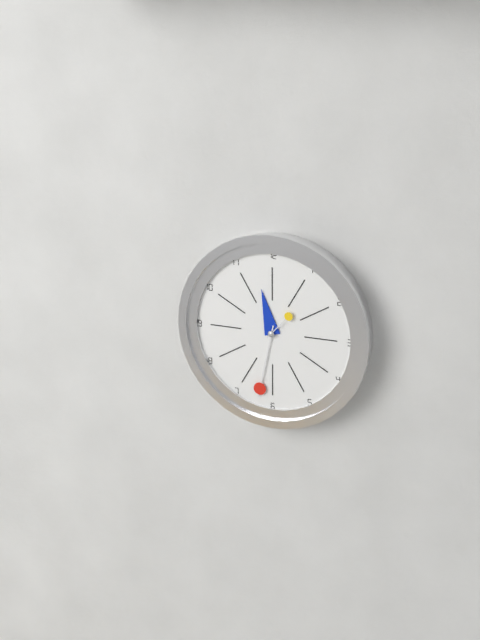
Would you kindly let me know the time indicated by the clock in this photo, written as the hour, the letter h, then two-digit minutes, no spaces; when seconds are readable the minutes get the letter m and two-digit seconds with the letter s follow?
11h32
